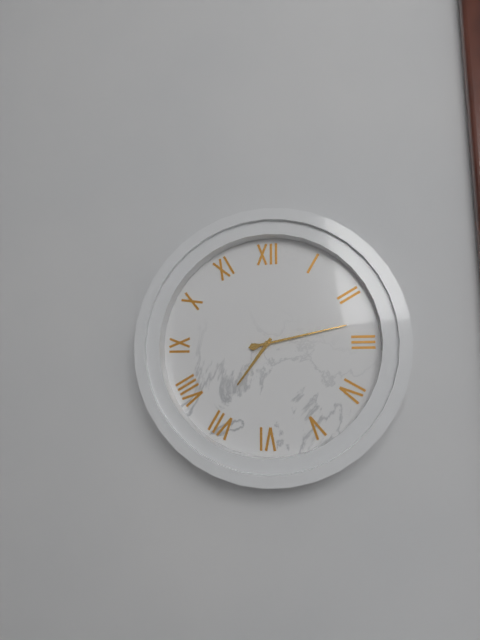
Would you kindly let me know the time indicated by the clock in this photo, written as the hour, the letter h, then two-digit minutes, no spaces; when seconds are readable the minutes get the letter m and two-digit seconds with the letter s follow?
7h13
